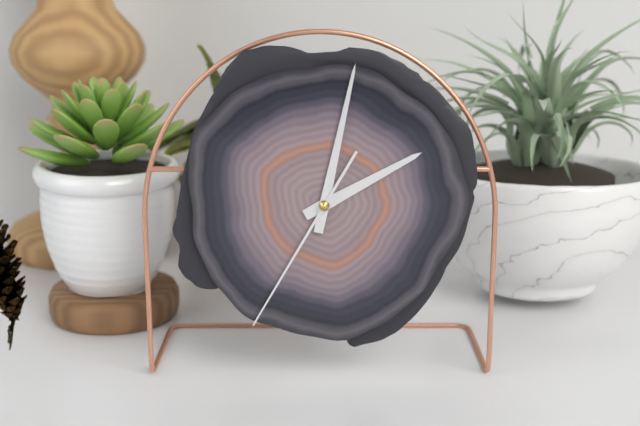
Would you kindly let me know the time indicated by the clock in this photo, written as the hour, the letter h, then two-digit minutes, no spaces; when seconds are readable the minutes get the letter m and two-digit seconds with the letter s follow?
2h02m35s
